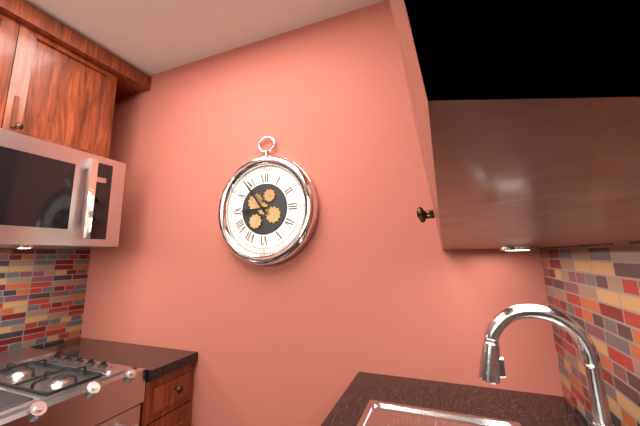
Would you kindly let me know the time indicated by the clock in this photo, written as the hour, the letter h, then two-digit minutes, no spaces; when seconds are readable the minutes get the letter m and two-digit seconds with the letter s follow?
8h54
